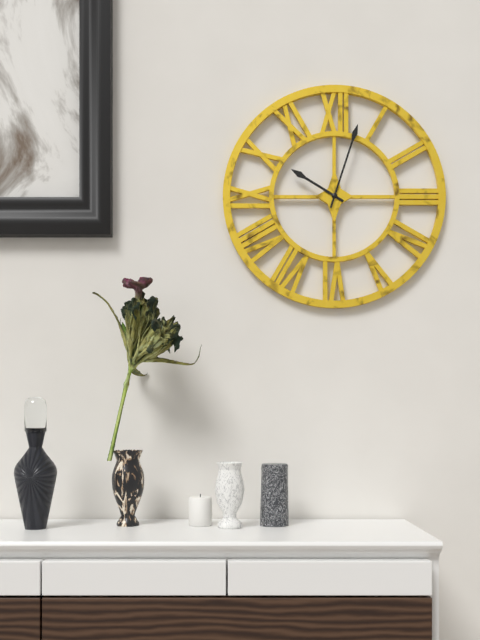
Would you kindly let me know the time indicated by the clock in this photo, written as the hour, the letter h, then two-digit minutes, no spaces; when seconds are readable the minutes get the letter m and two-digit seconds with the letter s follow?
10h03
